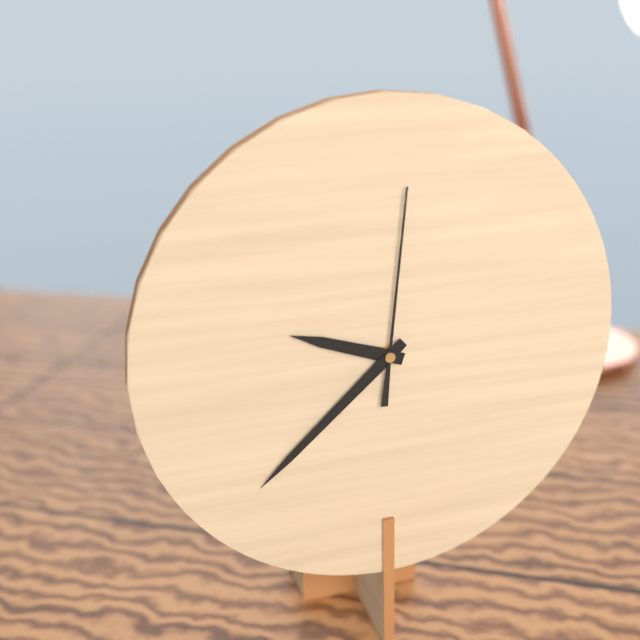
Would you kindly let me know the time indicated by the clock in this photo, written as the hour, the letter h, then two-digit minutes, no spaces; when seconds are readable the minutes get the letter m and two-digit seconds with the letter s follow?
9h38m01s
